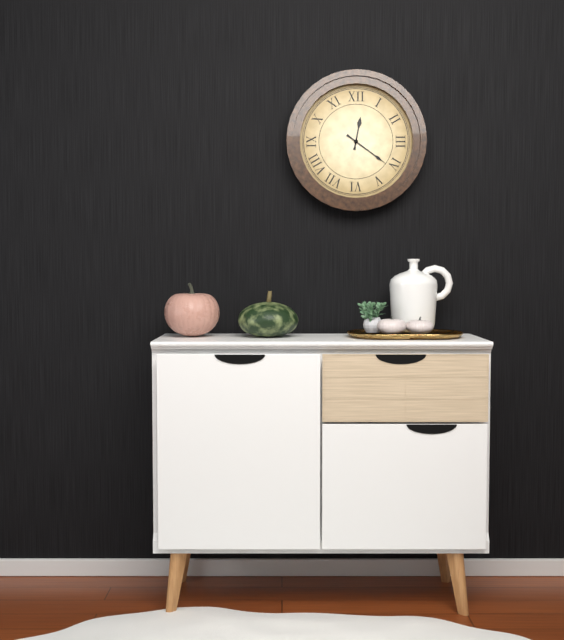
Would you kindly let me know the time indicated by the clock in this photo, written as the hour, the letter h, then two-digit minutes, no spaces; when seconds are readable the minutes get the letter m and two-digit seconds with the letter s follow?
12h21
